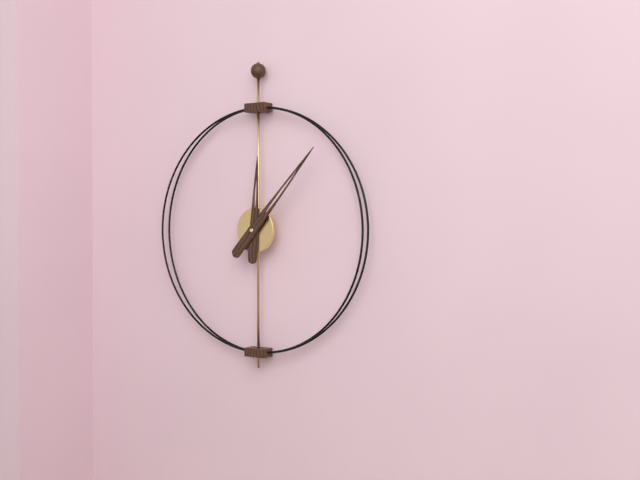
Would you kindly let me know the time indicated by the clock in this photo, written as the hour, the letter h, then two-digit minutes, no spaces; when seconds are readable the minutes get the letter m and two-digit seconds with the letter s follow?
12h07
